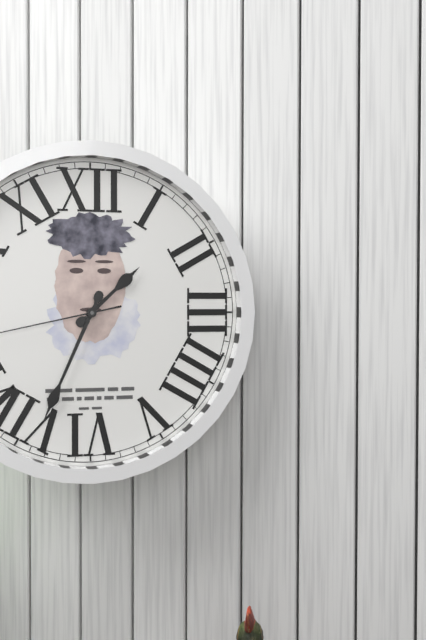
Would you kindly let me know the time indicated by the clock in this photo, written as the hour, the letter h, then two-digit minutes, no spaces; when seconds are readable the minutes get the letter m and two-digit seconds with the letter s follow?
1h34
